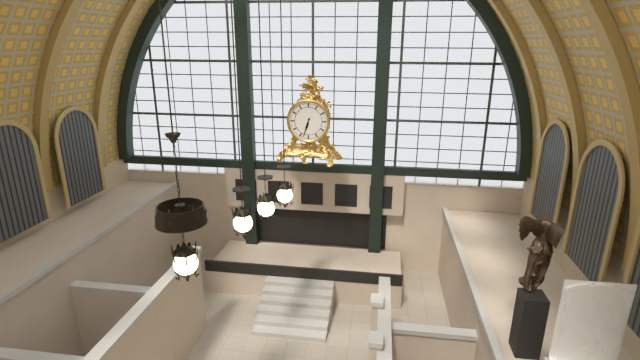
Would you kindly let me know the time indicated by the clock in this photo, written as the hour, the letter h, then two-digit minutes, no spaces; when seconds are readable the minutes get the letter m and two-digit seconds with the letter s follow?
6h33
